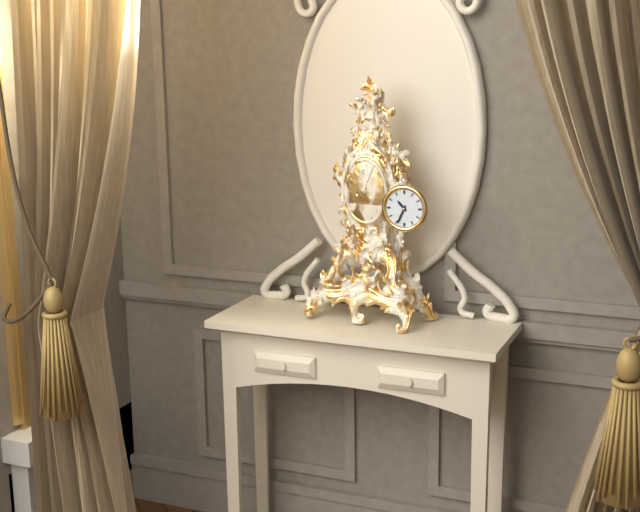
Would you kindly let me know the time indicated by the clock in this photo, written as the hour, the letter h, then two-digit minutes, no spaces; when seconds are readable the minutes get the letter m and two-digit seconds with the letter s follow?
10h34
